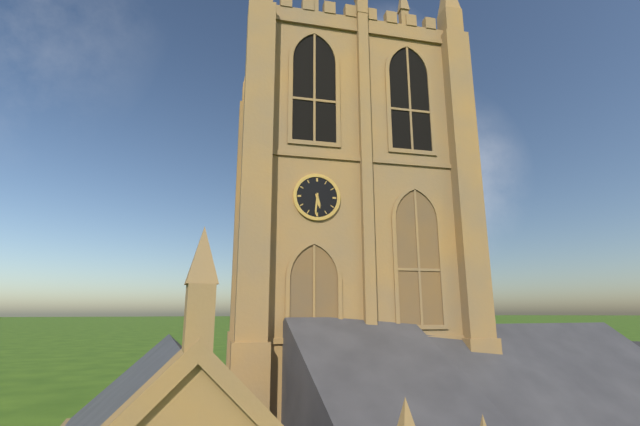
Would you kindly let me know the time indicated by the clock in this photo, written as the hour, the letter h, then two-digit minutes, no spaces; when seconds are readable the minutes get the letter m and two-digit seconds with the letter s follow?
5h31
